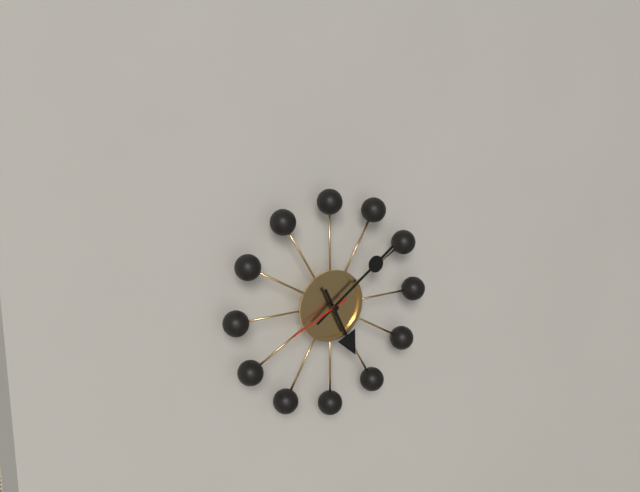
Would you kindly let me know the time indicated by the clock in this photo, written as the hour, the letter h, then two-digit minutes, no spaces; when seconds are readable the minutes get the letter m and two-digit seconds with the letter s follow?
5h09m41s
